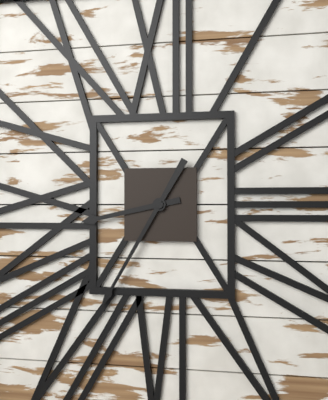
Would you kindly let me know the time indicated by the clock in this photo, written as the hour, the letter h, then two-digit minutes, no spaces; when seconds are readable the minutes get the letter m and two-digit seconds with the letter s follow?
8h35
